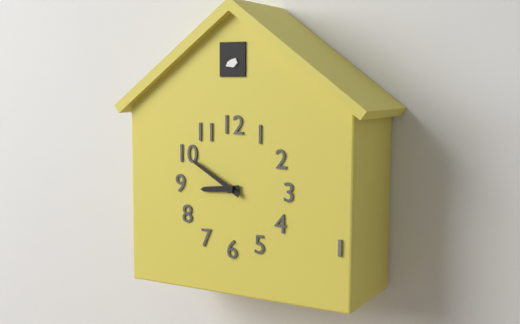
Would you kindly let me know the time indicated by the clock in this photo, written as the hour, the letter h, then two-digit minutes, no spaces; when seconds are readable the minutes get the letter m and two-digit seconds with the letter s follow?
8h50
